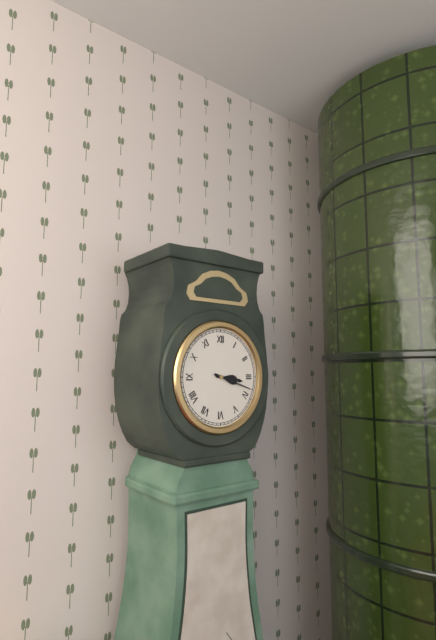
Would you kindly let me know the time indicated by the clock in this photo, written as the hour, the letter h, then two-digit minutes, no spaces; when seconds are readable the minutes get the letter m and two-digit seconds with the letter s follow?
3h18
